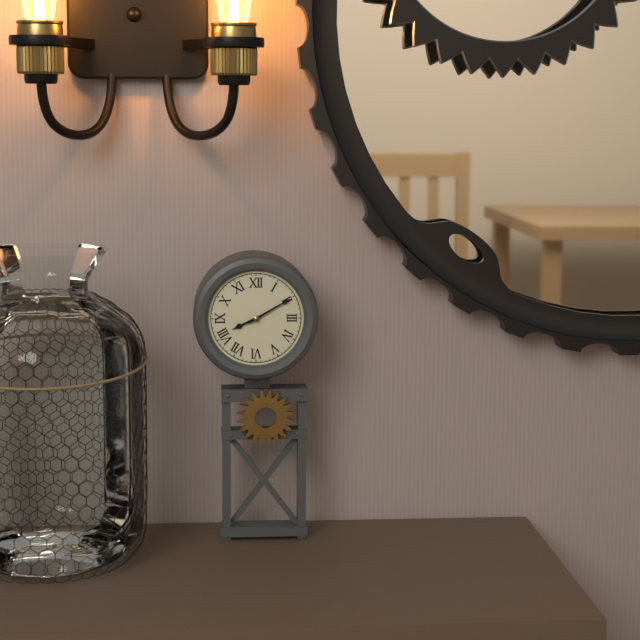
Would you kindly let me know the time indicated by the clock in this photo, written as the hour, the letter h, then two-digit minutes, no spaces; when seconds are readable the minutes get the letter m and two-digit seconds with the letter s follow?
8h10
